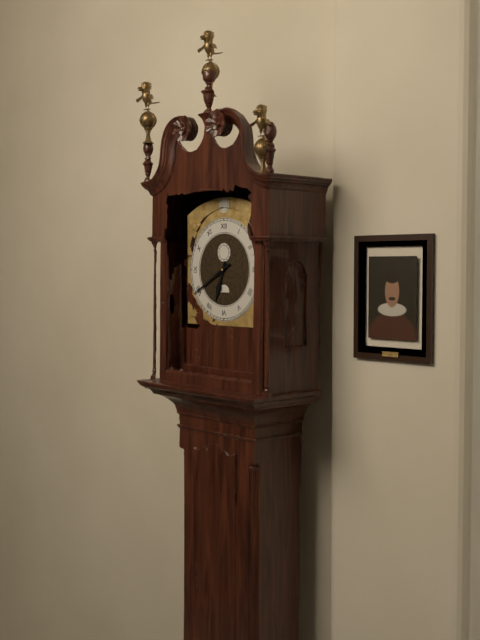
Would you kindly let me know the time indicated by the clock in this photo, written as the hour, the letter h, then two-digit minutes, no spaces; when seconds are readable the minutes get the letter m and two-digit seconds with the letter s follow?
6h40
